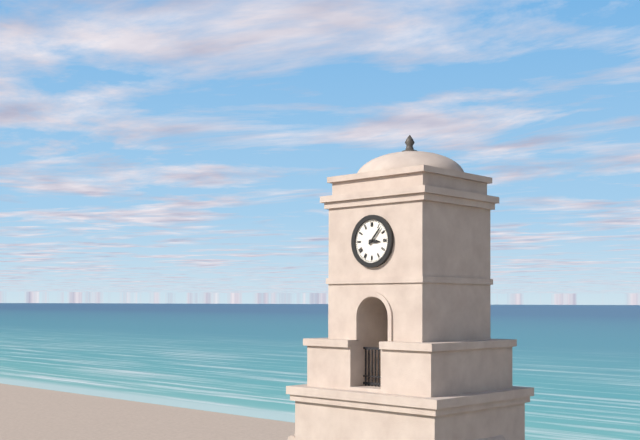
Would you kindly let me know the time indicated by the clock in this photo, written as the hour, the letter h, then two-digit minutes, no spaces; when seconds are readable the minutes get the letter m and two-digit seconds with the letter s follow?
3h07
